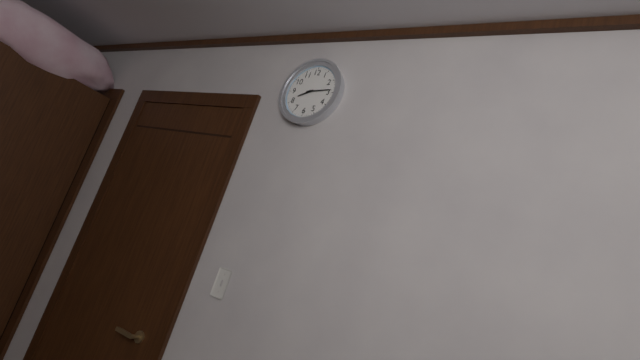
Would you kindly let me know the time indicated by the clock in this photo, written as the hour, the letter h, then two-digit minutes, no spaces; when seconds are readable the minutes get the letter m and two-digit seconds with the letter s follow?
8h14
